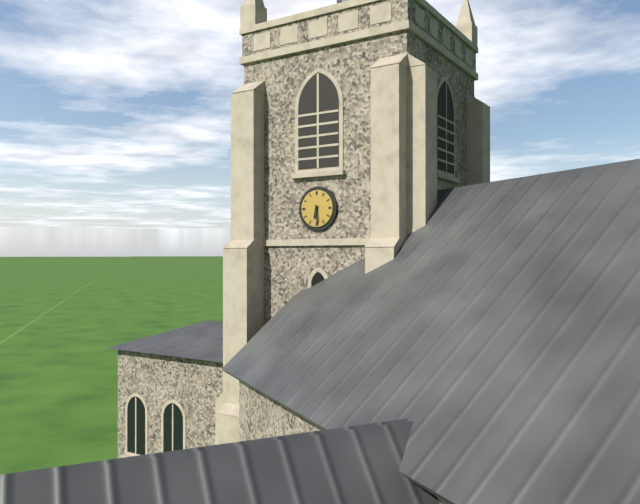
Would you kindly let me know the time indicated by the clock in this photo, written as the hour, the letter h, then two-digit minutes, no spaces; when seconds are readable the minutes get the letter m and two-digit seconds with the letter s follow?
6h29
